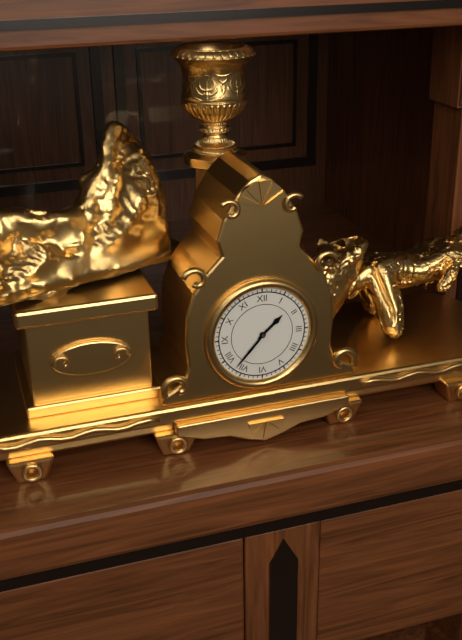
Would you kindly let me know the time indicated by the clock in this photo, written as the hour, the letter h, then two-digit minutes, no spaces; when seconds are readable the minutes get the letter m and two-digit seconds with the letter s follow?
1h37
